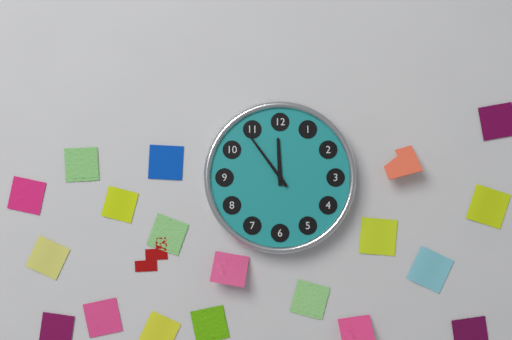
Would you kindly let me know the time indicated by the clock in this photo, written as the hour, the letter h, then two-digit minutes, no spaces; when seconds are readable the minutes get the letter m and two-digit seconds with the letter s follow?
11h54
